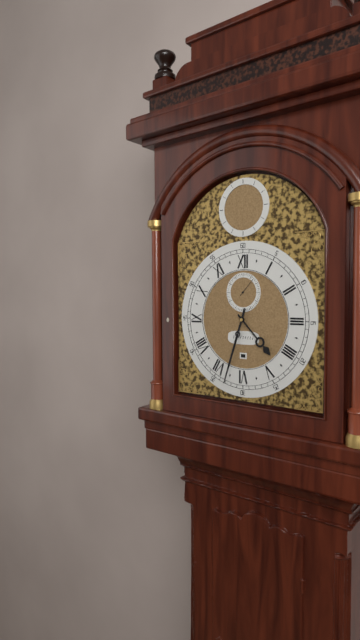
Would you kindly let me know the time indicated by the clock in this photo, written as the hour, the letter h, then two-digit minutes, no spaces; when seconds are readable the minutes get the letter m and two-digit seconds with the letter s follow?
4h33
